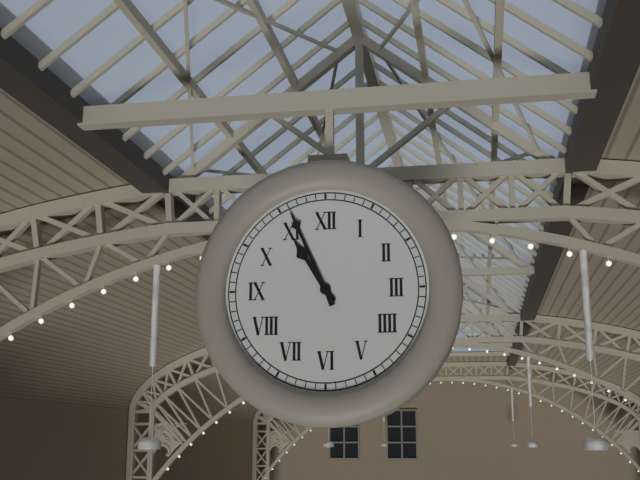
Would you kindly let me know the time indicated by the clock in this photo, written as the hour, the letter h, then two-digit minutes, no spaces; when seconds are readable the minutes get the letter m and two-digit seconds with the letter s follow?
10h56
